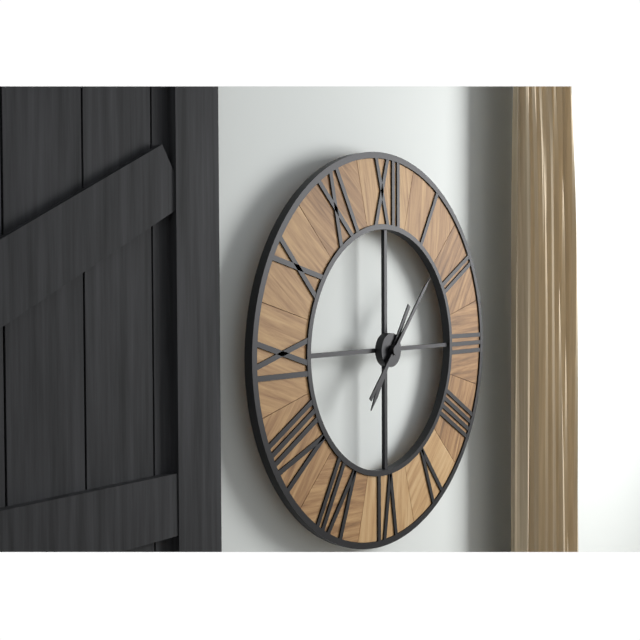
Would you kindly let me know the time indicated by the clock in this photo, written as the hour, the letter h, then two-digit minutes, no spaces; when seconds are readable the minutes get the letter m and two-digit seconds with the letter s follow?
7h07
